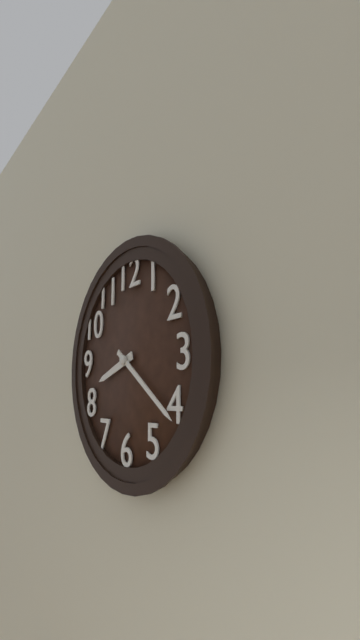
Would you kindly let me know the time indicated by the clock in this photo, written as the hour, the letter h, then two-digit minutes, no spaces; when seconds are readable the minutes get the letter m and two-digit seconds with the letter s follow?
8h21
